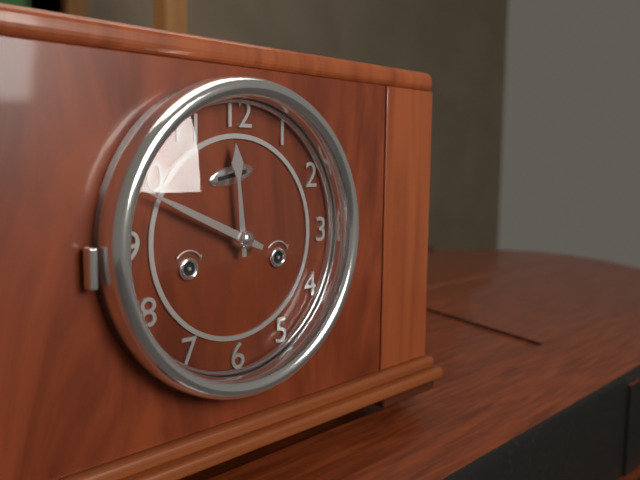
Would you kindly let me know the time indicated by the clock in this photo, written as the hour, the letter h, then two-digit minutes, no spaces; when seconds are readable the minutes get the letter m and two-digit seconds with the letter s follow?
11h49
